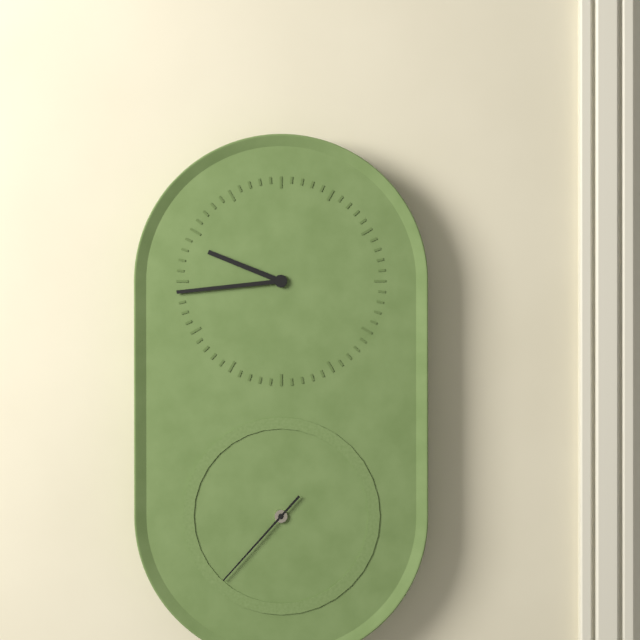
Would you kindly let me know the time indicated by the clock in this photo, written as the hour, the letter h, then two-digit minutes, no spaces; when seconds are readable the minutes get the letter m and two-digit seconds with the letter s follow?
9h44m37s
